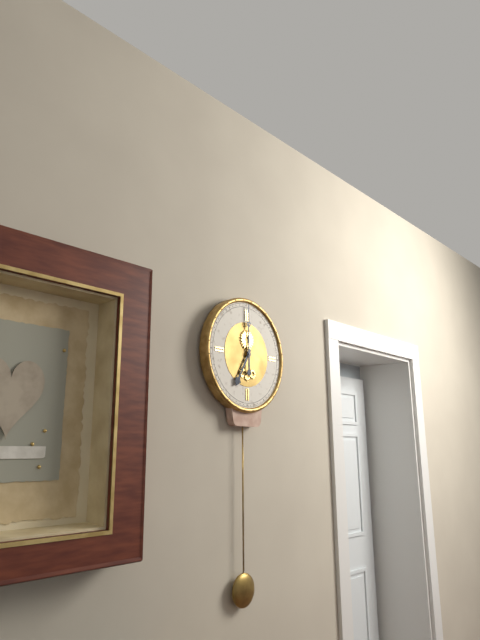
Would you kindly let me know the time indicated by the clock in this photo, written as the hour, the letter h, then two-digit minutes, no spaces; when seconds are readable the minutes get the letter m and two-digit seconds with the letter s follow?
7h00
